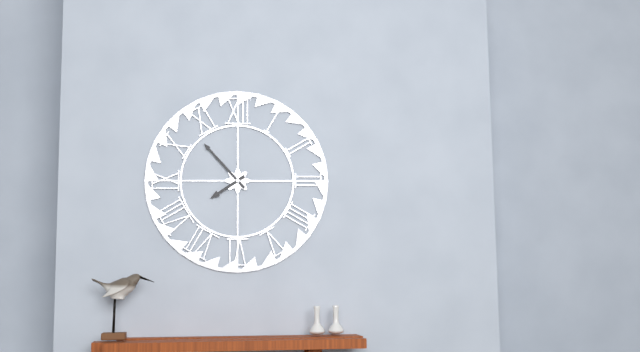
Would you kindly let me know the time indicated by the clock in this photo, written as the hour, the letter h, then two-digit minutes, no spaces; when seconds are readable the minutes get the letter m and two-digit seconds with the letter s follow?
7h53
